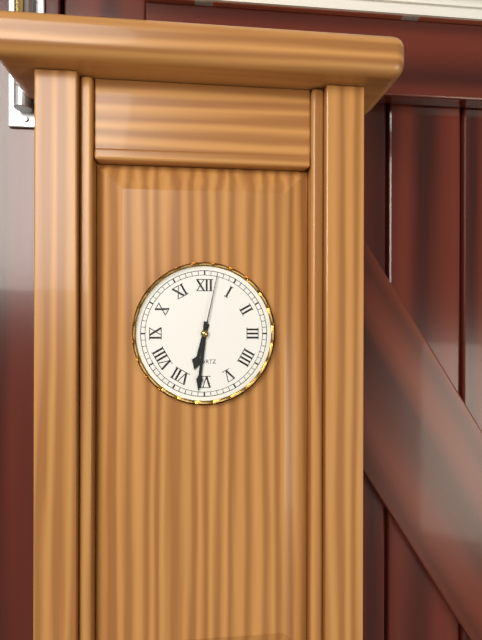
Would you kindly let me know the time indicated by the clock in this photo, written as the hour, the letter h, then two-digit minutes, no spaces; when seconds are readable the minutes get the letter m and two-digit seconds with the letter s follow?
6h31m02s
